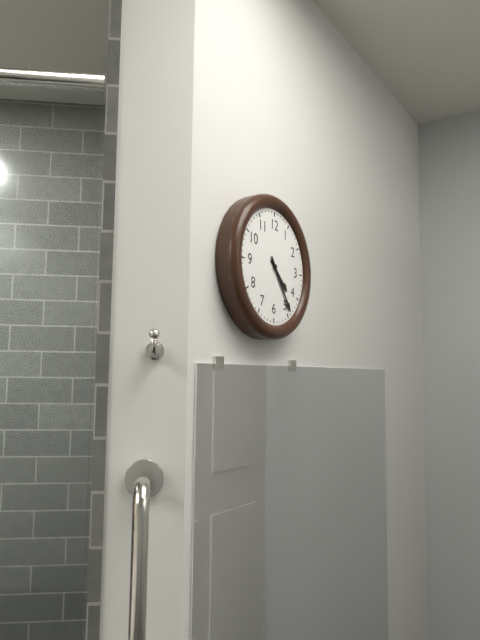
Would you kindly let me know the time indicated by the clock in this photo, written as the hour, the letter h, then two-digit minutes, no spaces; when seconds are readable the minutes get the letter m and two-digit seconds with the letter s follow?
4h24
